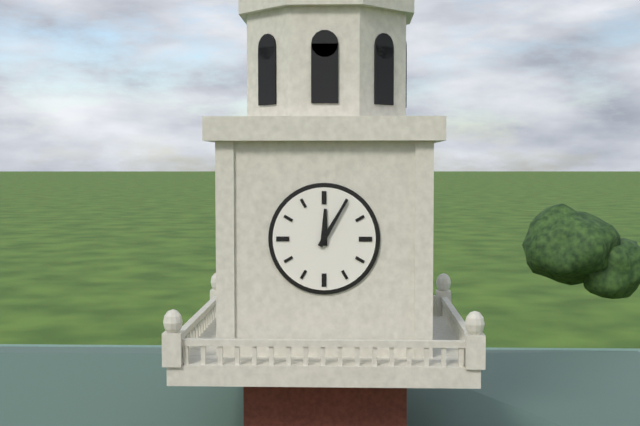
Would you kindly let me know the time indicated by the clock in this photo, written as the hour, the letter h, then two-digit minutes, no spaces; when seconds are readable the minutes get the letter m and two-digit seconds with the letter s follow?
12h05
